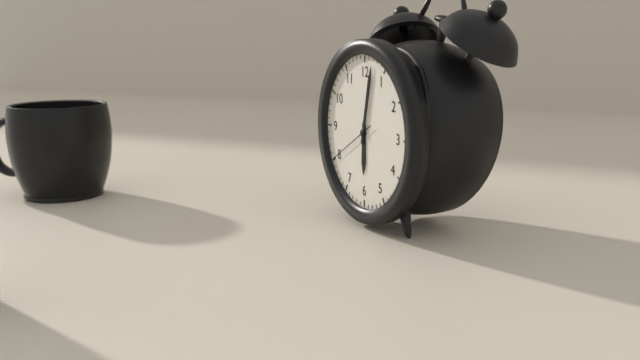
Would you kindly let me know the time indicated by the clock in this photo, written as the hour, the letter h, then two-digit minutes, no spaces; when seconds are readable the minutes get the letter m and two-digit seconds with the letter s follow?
6h02m40s
